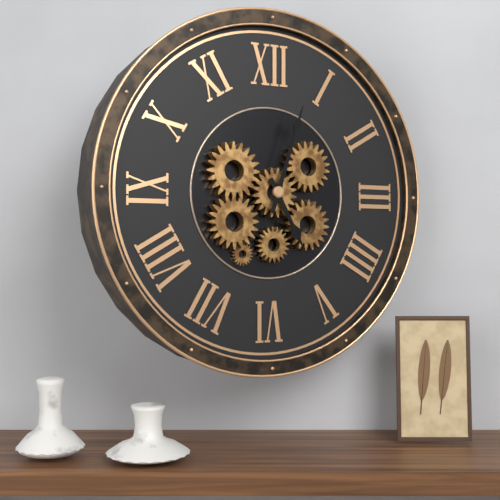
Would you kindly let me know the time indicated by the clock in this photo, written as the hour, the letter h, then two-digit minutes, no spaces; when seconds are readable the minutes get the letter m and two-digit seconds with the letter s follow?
5h03
